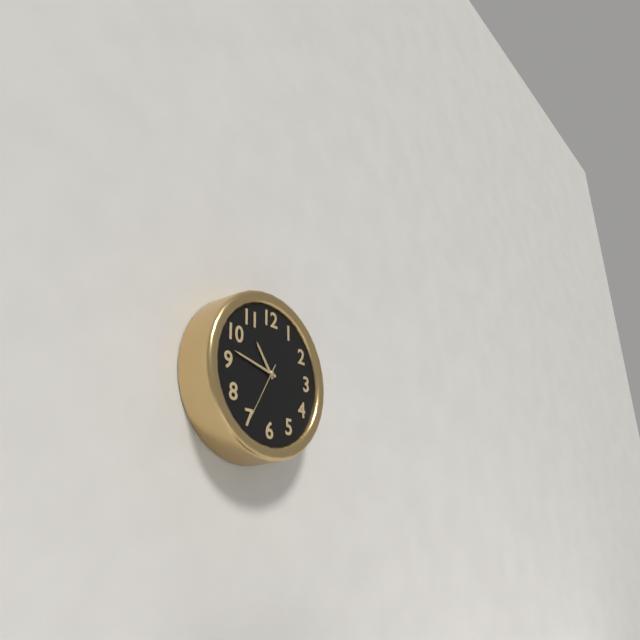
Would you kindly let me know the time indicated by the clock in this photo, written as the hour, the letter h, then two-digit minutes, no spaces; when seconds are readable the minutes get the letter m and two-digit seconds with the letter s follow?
10h47m35s
